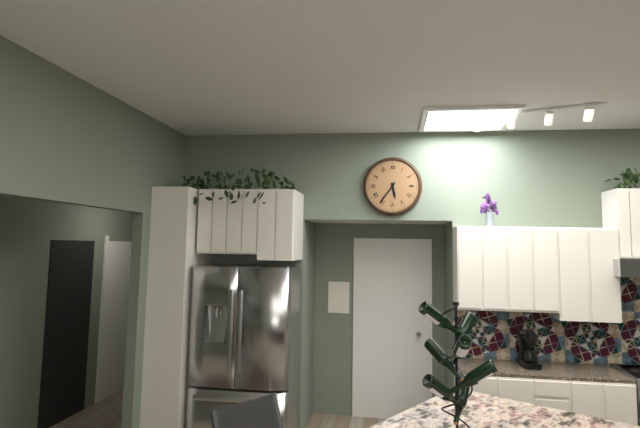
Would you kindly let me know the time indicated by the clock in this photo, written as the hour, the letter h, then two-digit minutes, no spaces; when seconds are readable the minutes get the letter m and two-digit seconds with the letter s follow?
5h36
